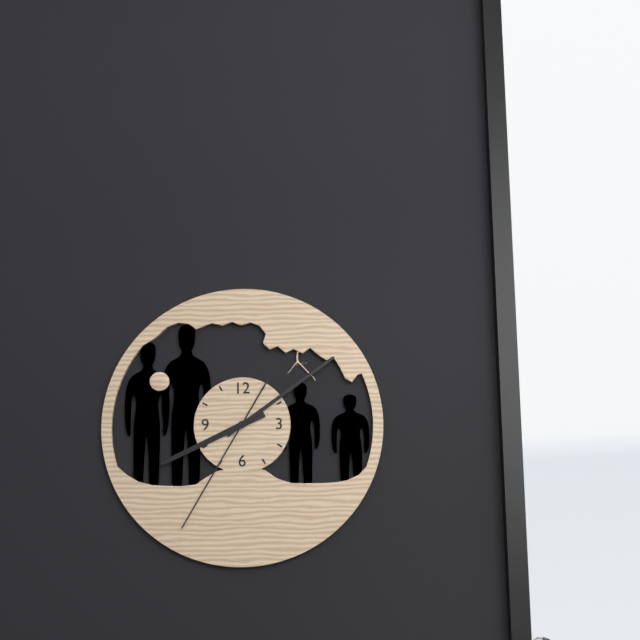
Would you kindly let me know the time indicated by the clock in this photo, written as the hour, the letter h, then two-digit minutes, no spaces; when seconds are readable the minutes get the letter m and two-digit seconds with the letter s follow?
8h09m35s
